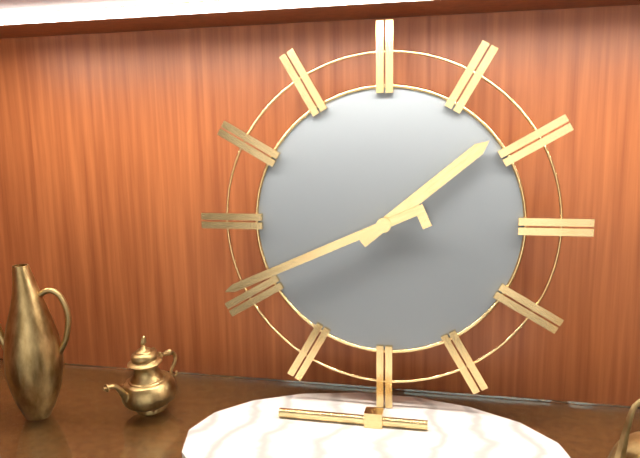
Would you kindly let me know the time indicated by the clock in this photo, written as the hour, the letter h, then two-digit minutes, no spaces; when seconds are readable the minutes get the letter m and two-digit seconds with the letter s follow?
1h41
